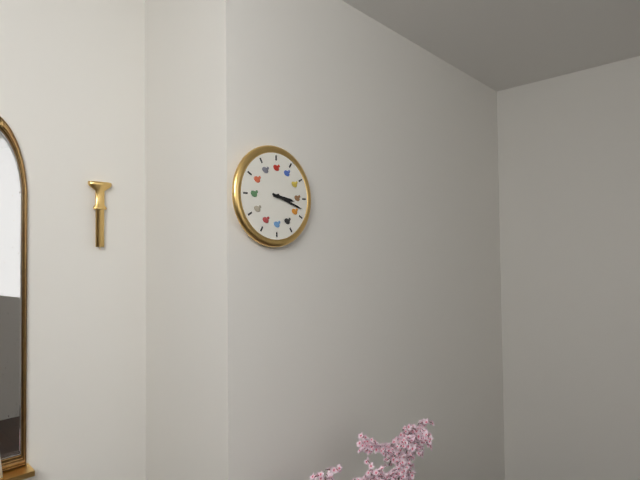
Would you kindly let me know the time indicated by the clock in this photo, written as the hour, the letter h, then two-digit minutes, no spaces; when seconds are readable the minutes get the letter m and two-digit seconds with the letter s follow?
3h18
